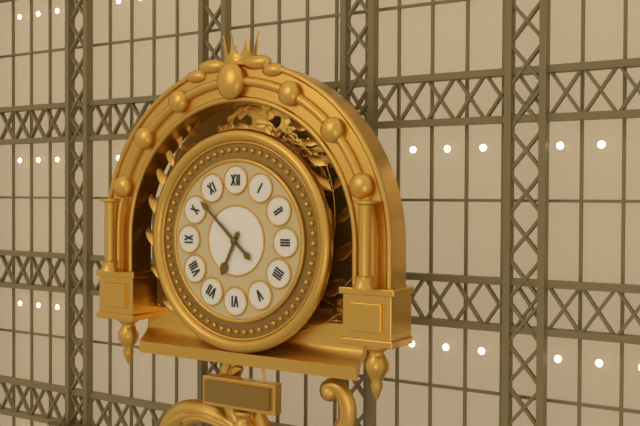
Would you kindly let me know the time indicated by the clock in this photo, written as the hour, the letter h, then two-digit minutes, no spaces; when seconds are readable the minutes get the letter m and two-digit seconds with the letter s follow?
6h52
